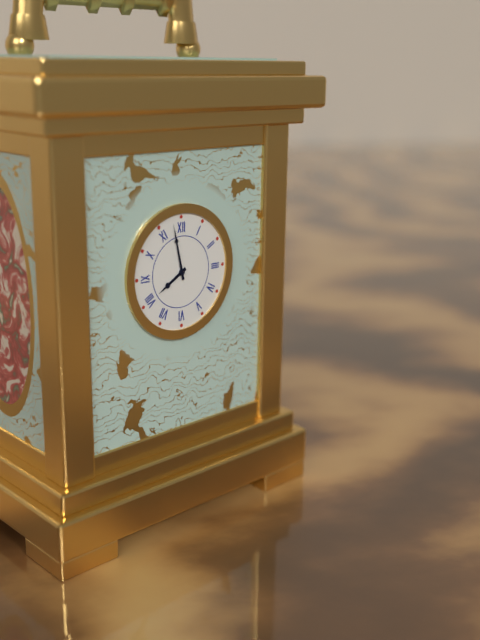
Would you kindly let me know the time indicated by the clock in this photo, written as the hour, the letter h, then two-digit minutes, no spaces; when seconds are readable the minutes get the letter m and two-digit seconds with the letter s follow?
7h58
